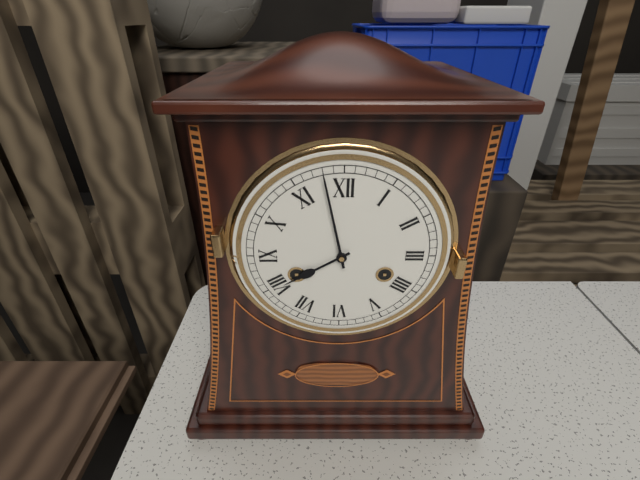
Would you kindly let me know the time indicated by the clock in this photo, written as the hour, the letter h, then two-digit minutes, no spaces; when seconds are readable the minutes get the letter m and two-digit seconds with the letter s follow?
7h58
